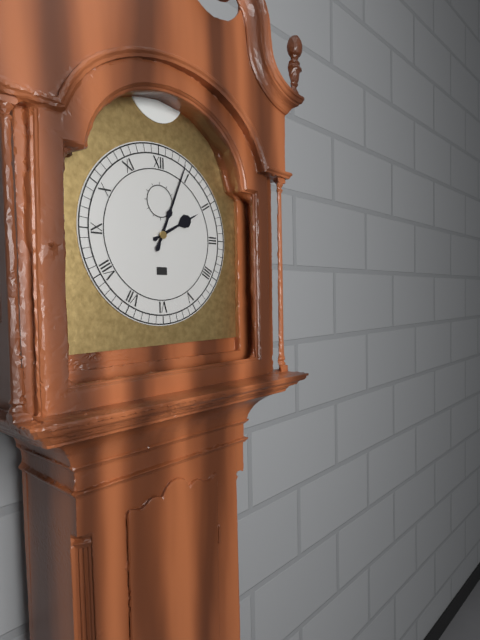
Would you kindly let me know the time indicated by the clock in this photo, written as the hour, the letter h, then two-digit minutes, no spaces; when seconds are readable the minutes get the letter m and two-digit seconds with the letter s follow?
2h04
